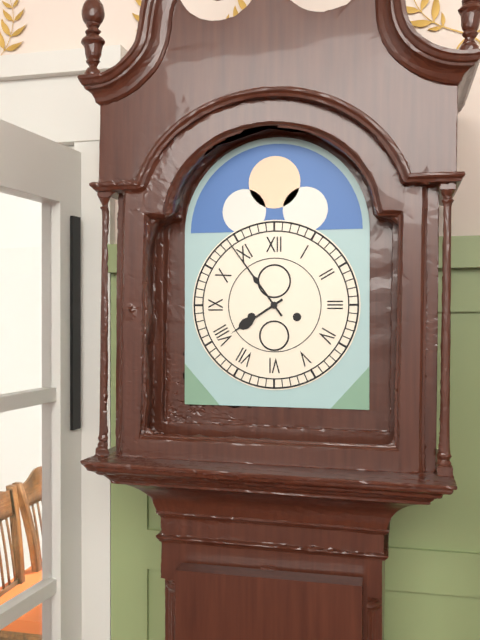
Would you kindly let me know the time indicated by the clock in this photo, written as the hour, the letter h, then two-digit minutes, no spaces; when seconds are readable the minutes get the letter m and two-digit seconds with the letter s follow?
7h54
